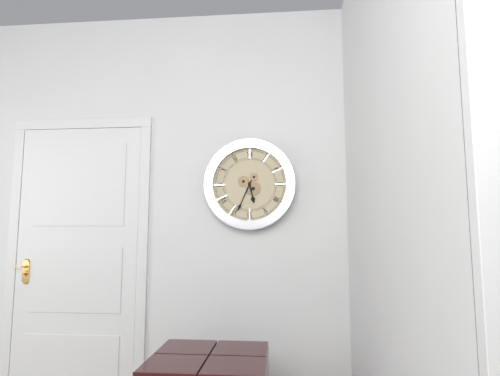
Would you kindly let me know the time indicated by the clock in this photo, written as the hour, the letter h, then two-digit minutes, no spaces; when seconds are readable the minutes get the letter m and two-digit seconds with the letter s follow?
5h34
